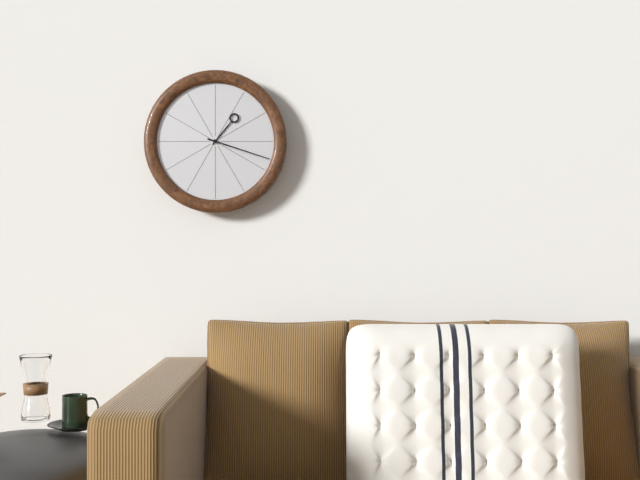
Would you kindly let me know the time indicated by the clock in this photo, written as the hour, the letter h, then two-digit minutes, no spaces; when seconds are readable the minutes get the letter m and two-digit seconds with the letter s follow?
1h18
